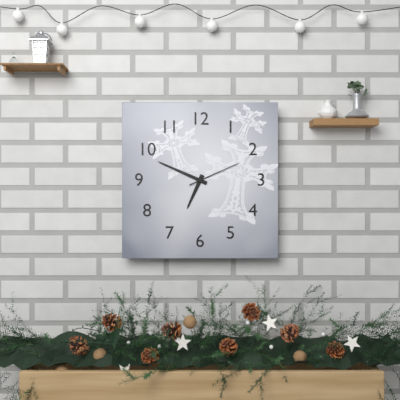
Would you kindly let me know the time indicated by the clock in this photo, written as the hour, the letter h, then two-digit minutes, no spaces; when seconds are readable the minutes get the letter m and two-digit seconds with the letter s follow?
6h49m11s
